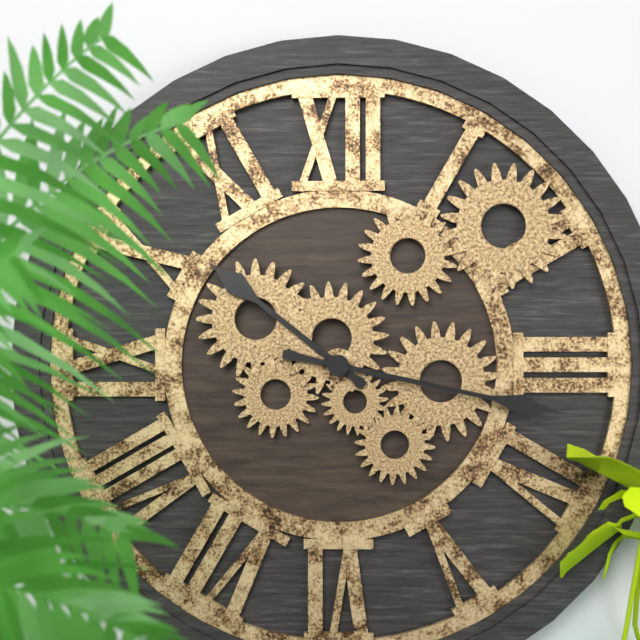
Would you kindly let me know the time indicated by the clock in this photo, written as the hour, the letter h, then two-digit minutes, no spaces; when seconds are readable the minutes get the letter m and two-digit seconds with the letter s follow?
10h17
